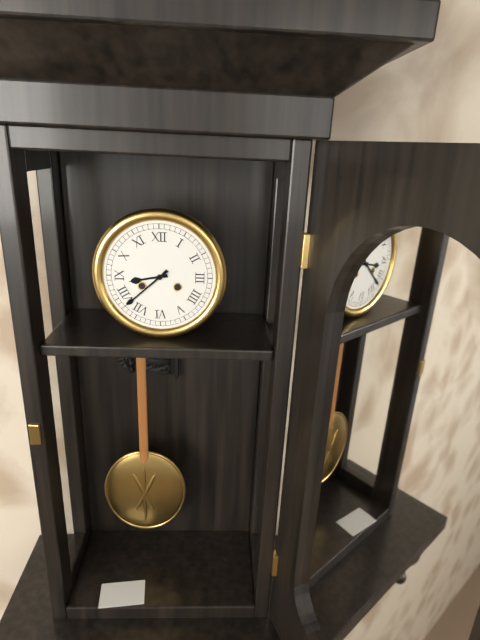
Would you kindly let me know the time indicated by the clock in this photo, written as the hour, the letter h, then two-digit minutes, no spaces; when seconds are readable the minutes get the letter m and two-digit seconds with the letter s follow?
8h38
